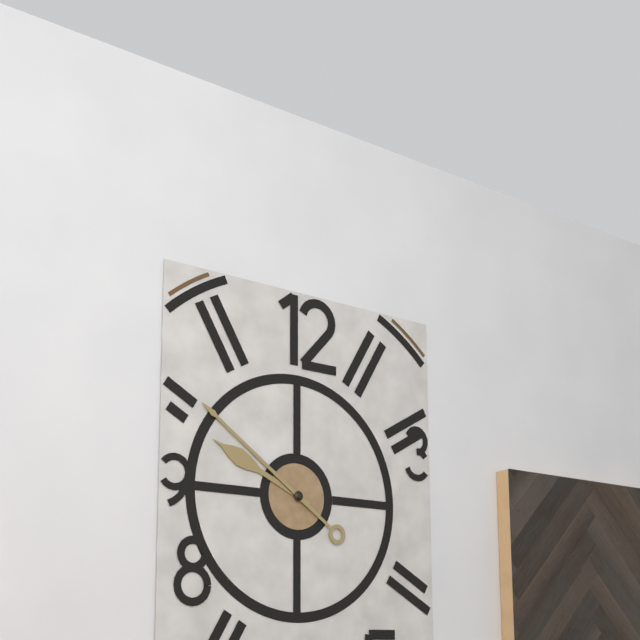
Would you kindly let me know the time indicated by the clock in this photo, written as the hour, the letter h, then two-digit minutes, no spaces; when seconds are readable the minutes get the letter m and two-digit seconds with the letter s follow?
9h51
